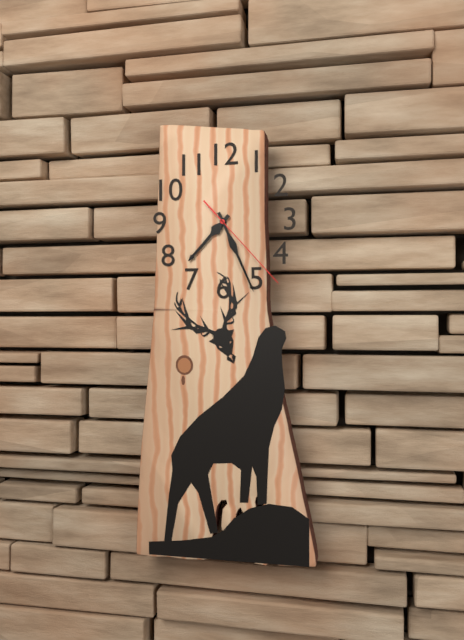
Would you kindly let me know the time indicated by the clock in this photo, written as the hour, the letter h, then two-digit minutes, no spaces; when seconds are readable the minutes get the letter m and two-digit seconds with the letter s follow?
7h26m23s
